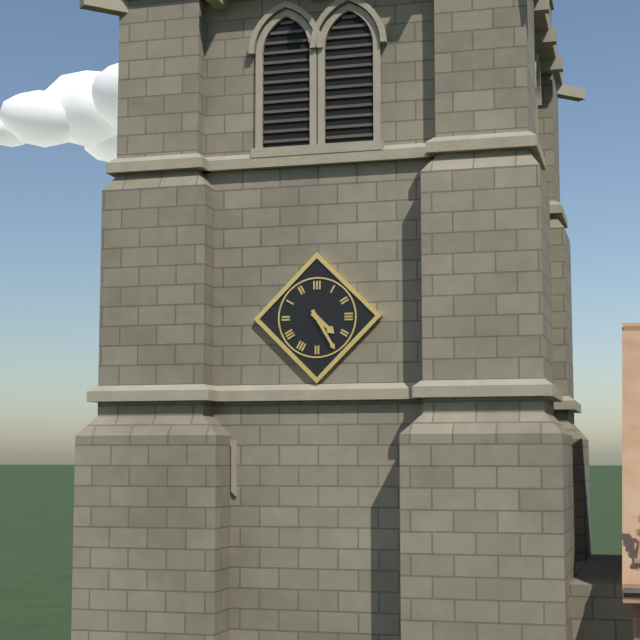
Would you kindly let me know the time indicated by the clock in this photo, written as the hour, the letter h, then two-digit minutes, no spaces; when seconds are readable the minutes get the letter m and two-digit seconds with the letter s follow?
4h25
